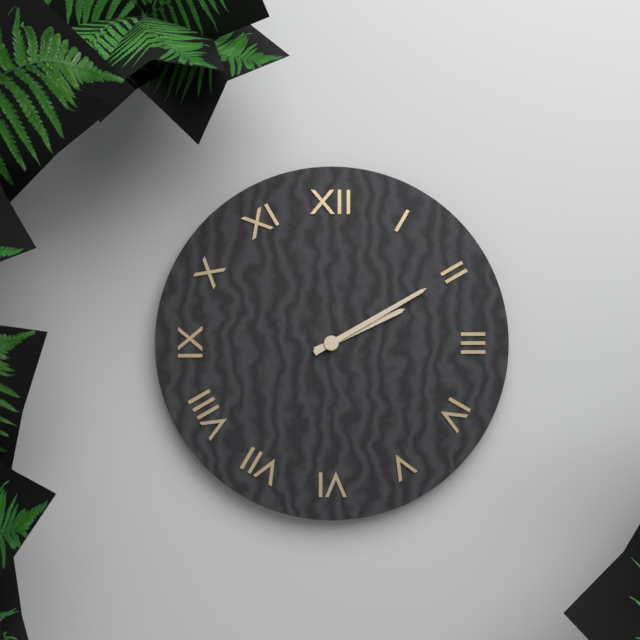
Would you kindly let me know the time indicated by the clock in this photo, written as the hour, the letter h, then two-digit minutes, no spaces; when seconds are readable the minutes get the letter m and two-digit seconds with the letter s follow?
2h10
